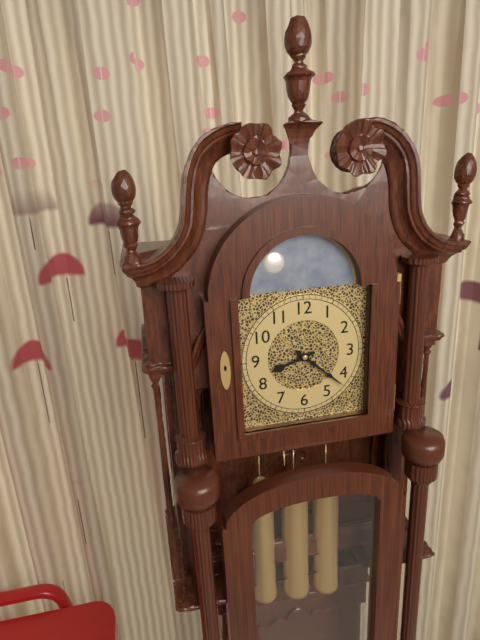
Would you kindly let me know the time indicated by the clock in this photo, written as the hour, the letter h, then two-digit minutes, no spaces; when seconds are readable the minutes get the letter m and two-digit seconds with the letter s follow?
8h22
